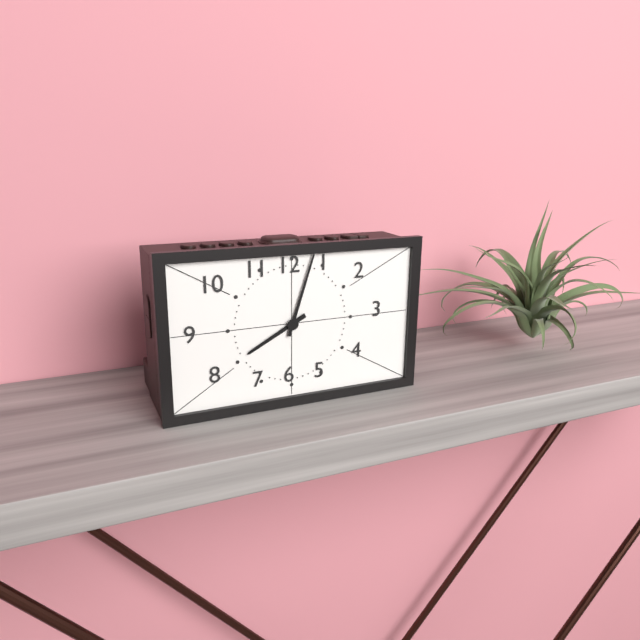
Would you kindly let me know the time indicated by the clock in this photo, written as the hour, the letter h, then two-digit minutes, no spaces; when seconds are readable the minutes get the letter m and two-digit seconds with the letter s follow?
8h03
